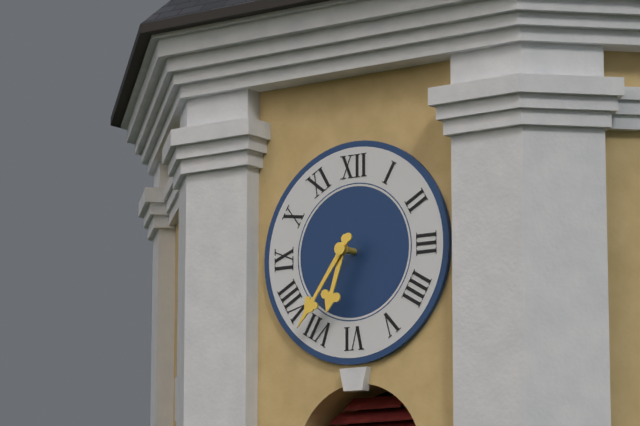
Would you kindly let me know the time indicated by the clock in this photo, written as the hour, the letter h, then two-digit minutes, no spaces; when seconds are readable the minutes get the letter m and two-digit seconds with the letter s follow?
6h36
